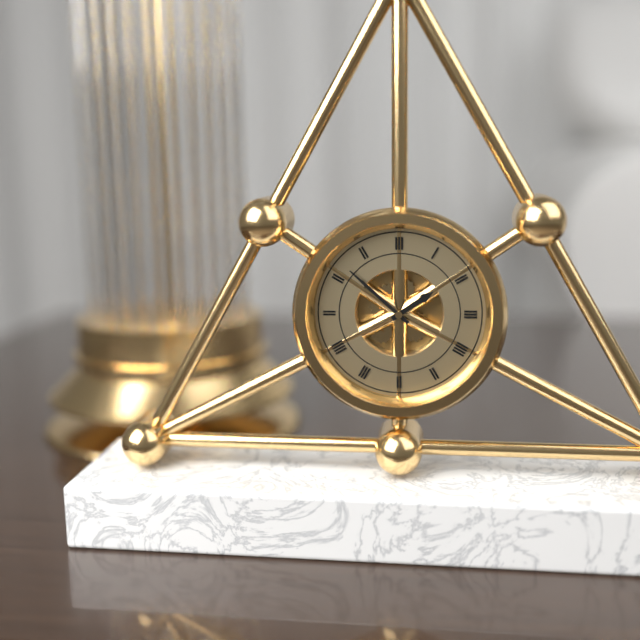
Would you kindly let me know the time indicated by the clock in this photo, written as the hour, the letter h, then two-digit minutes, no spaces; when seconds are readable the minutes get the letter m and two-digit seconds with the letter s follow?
1h52
